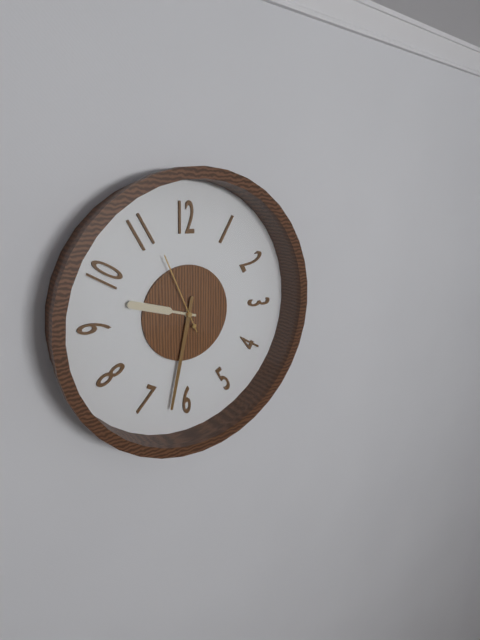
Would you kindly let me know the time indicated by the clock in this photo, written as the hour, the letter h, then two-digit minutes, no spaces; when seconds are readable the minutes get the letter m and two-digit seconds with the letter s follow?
9h32m56s
